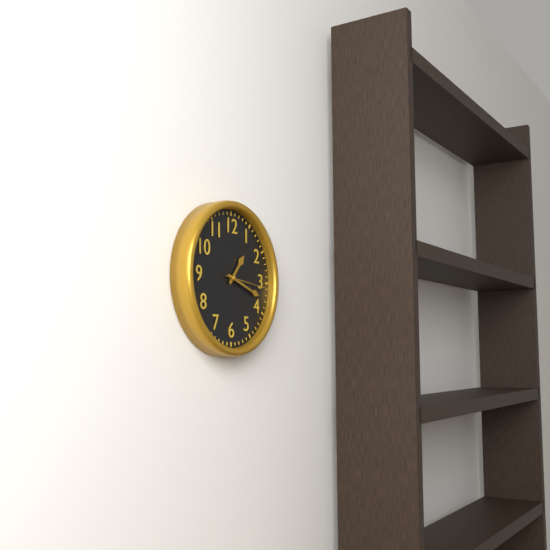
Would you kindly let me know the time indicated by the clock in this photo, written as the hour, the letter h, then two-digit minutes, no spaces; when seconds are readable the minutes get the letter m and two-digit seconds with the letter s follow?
1h18
